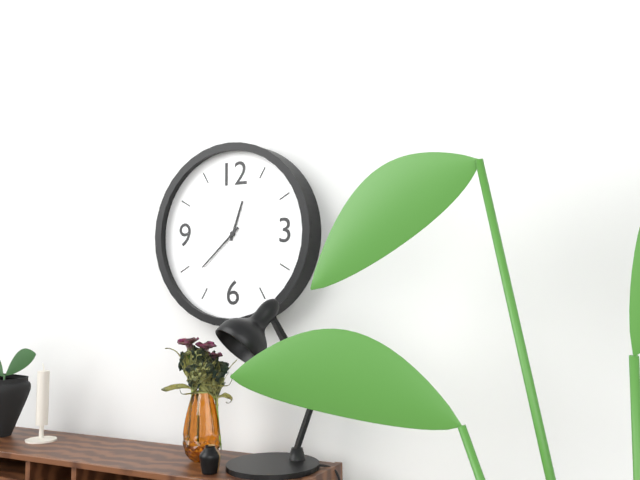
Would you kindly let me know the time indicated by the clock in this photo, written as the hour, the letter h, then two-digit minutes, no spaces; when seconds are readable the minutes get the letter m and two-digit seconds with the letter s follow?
12h38
